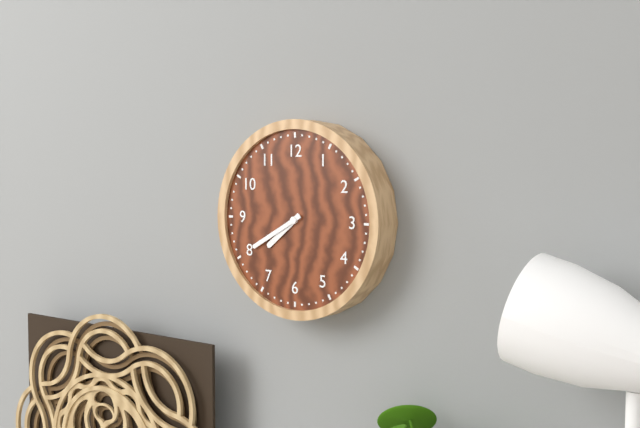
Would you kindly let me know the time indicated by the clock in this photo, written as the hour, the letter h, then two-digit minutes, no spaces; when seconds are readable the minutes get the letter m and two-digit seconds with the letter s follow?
7h40
